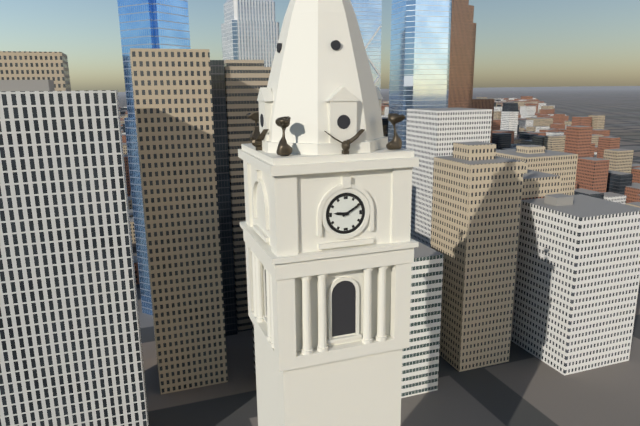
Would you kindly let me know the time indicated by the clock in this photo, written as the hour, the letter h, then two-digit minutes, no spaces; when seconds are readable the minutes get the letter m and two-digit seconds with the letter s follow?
9h10
